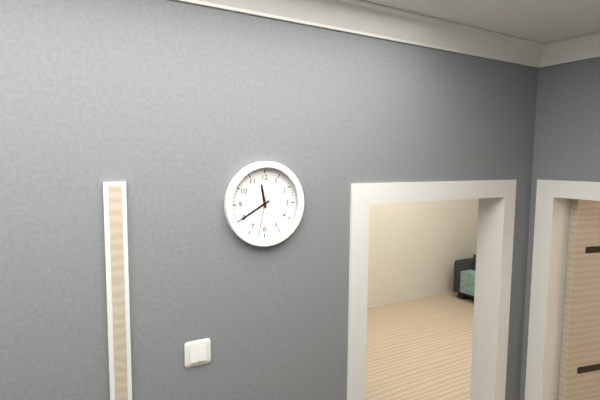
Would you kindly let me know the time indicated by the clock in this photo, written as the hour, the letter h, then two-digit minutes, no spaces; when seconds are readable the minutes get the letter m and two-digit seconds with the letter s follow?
11h40
